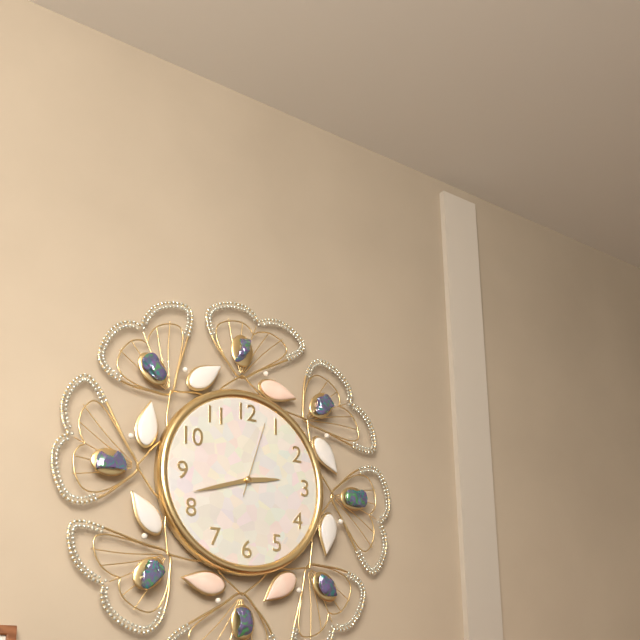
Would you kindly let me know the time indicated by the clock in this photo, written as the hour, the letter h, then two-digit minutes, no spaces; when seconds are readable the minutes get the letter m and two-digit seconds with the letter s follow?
2h42m03s
